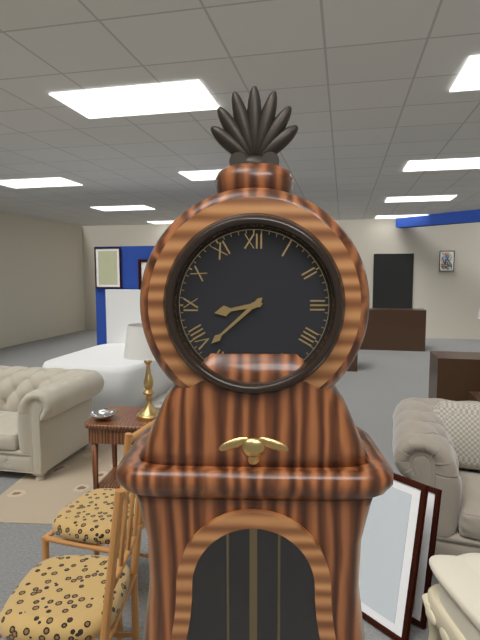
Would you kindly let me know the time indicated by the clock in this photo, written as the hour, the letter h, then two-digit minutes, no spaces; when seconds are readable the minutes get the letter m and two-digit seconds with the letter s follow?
8h38
